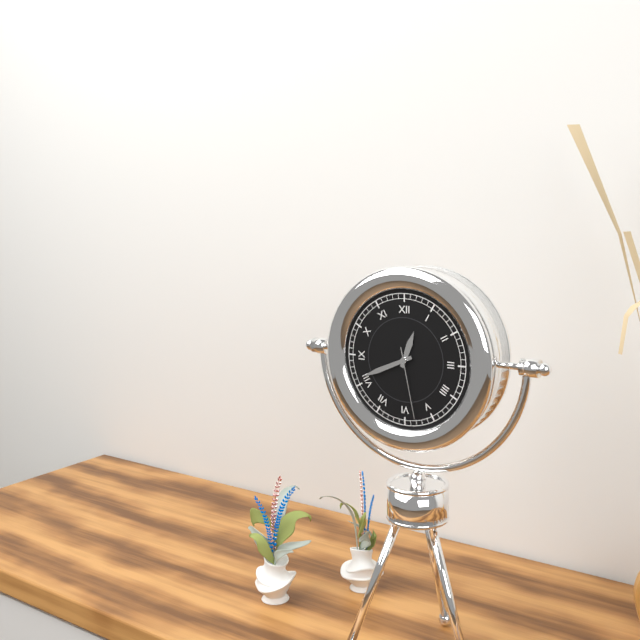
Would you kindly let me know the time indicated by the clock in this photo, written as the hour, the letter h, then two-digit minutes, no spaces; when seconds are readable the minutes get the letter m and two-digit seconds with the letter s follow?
12h41m28s
